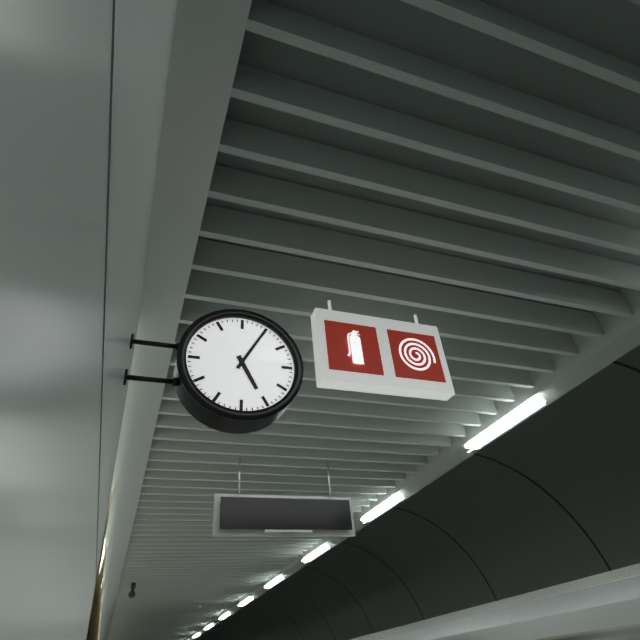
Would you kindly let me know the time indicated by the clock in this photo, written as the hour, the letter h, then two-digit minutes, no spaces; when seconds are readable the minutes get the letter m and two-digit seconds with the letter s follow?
5h05
